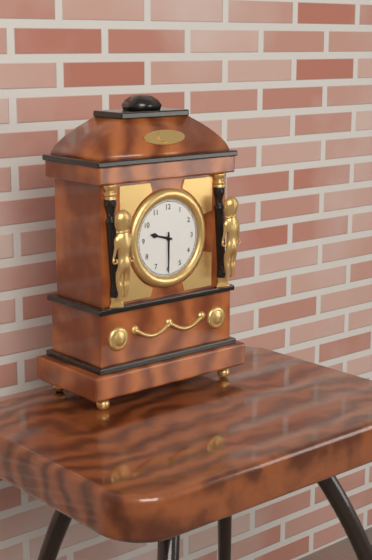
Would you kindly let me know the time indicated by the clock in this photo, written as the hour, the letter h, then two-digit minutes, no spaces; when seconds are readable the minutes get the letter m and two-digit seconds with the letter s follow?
9h30
